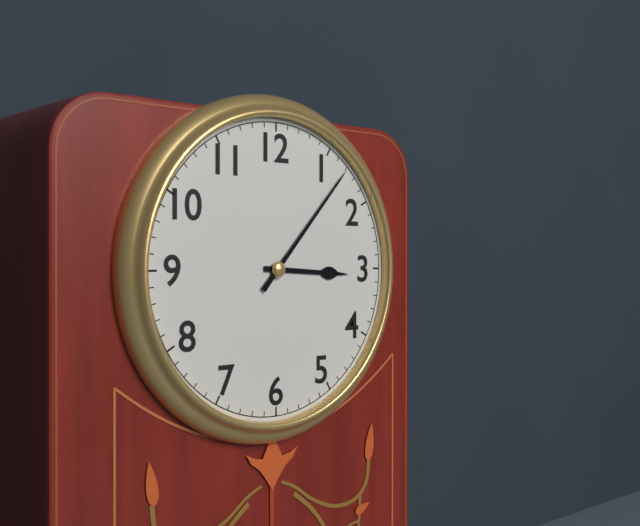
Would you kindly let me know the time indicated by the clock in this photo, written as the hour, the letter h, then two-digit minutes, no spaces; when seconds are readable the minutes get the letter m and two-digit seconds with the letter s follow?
3h07
